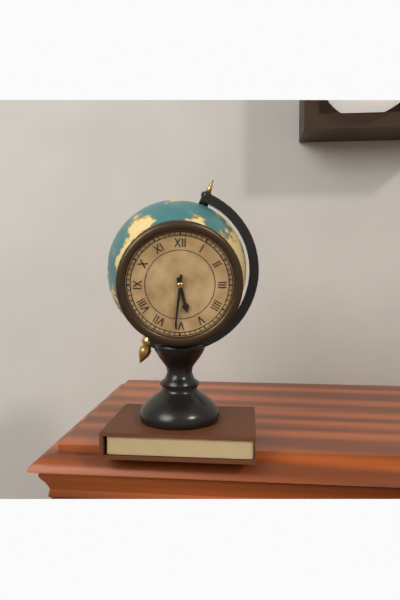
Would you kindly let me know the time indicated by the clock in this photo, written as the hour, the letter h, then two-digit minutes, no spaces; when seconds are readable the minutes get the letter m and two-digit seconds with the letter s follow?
5h31
